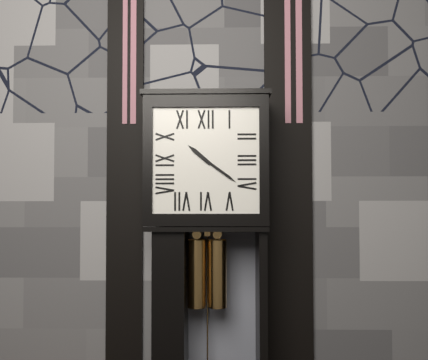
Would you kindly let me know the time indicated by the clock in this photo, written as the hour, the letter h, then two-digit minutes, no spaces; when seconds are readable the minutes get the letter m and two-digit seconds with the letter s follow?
10h21
